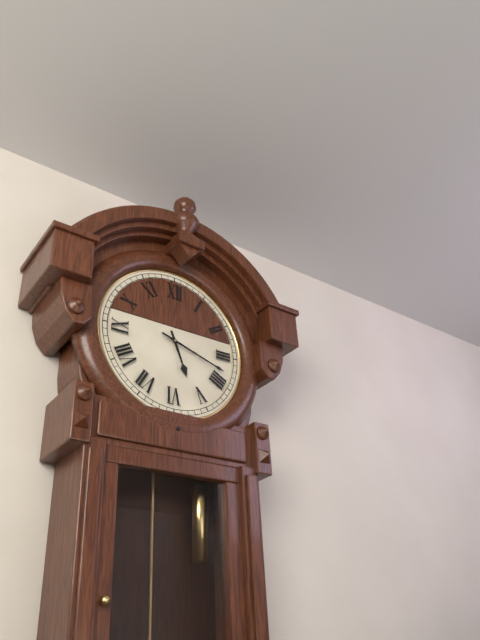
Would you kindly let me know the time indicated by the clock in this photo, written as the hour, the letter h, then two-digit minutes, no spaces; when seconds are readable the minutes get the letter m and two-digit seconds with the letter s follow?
5h18
